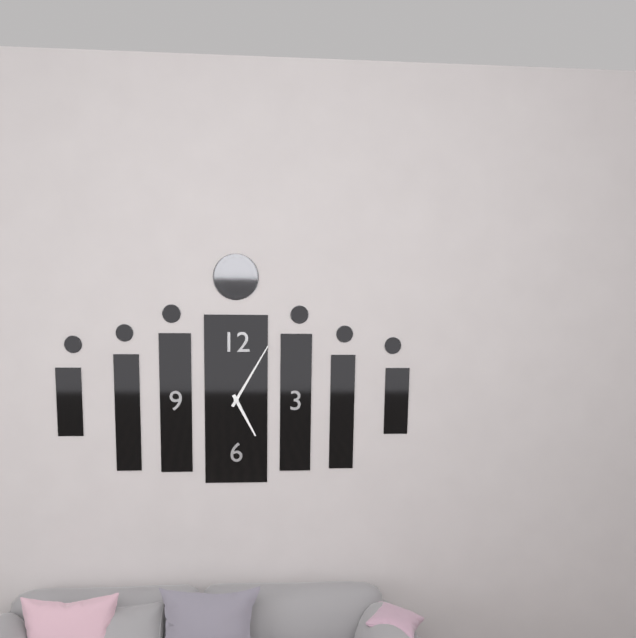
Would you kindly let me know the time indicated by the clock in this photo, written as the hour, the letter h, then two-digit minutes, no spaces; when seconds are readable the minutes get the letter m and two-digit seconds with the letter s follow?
5h05
